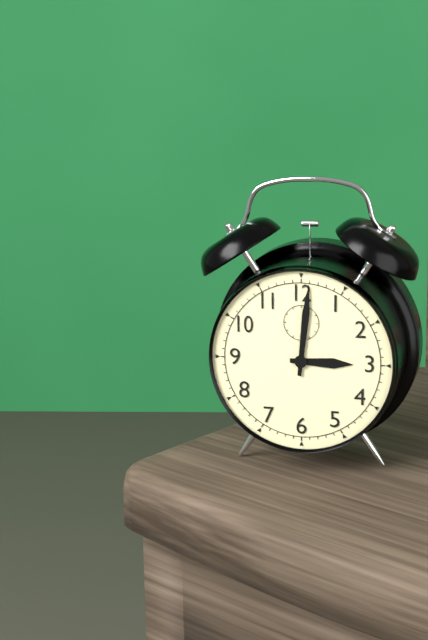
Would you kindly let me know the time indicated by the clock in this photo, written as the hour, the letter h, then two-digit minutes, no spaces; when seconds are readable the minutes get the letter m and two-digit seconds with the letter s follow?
3h01
